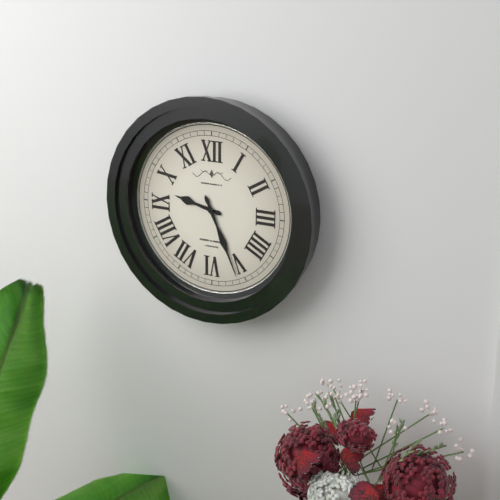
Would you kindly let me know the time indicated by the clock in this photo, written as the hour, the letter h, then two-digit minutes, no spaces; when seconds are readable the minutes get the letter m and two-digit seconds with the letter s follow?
9h26
